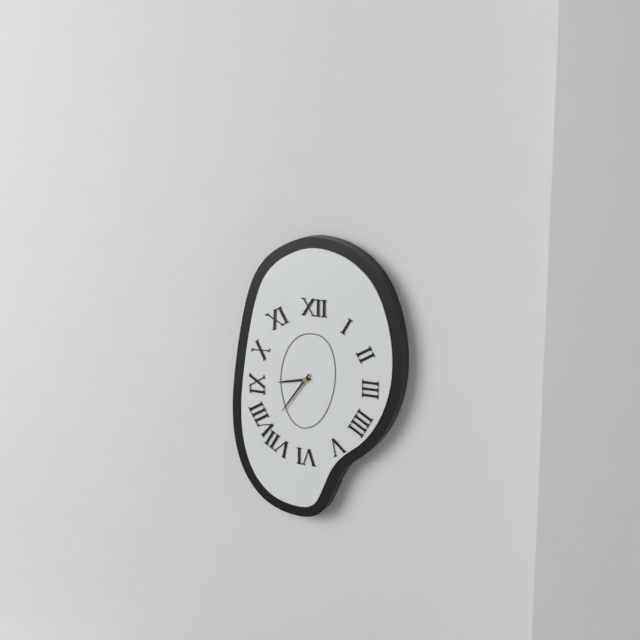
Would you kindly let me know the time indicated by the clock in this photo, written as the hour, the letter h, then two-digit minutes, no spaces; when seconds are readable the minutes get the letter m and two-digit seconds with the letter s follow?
8h36
